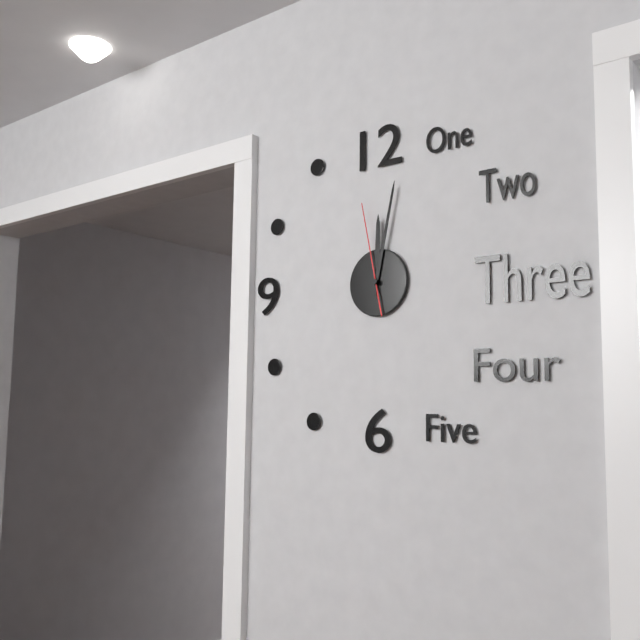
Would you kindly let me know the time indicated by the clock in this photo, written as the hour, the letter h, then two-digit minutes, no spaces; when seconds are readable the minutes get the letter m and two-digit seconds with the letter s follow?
12h02m58s
